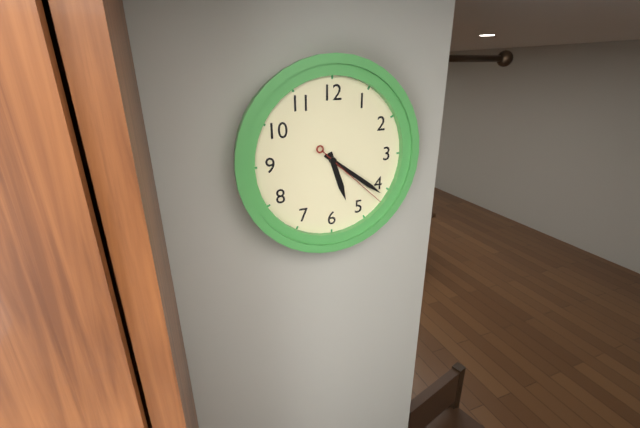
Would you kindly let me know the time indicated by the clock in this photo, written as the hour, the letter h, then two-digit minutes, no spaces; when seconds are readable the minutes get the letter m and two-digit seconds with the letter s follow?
5h21m22s
